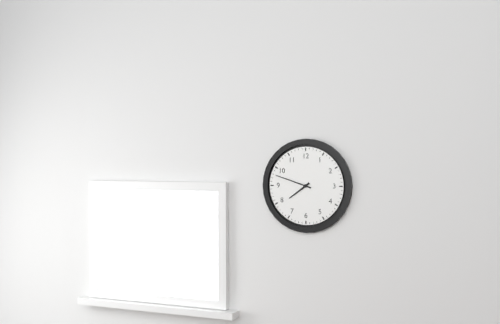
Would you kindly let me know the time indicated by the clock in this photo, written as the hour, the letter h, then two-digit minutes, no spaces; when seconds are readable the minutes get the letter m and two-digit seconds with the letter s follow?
7h48
